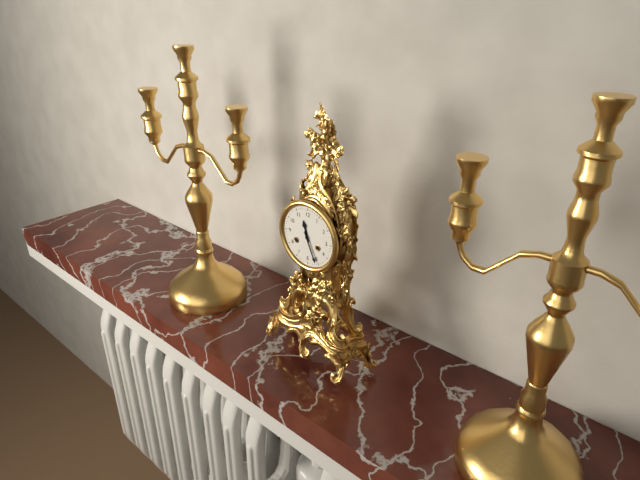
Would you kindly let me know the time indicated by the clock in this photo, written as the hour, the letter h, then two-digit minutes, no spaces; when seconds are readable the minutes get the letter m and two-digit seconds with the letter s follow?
11h26
